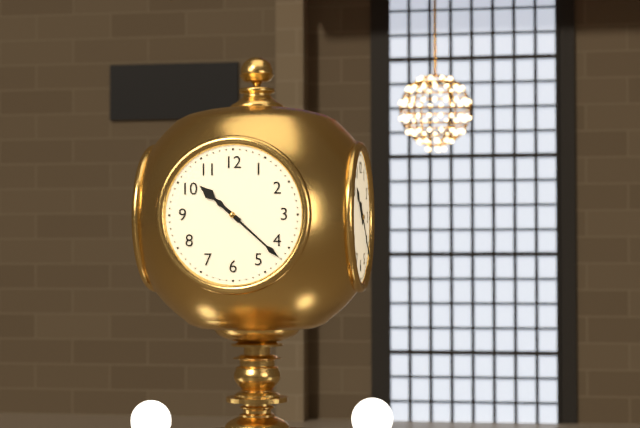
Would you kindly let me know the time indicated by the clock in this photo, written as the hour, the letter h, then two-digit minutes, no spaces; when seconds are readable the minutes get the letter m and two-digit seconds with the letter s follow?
10h22
